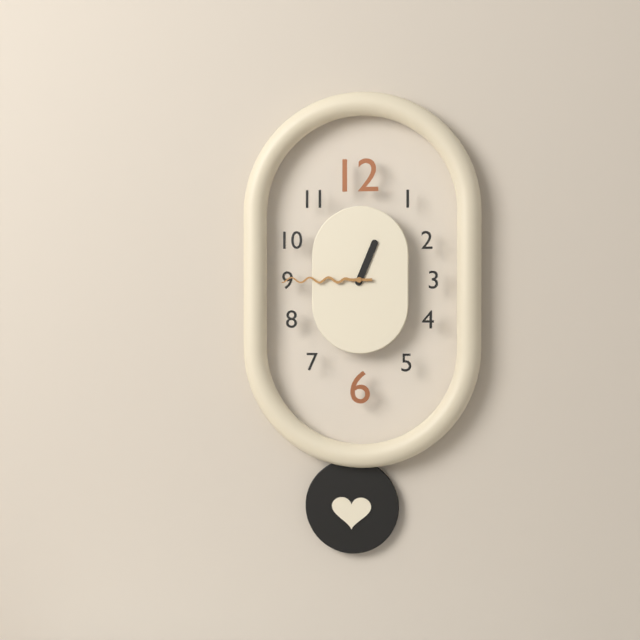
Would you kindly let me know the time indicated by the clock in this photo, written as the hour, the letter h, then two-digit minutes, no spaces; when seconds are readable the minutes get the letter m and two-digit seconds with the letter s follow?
12h45
